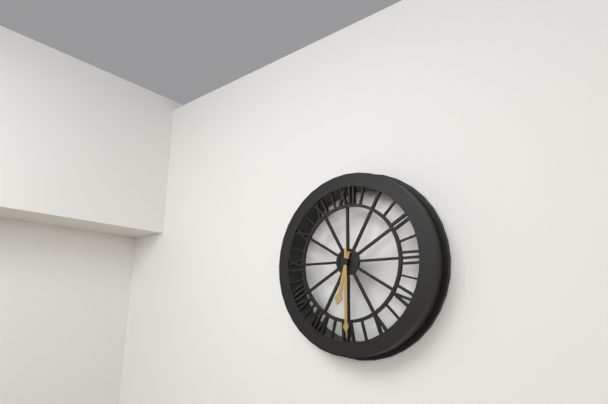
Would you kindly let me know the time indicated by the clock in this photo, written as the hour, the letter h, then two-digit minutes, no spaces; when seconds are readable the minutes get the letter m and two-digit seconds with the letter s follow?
6h30
